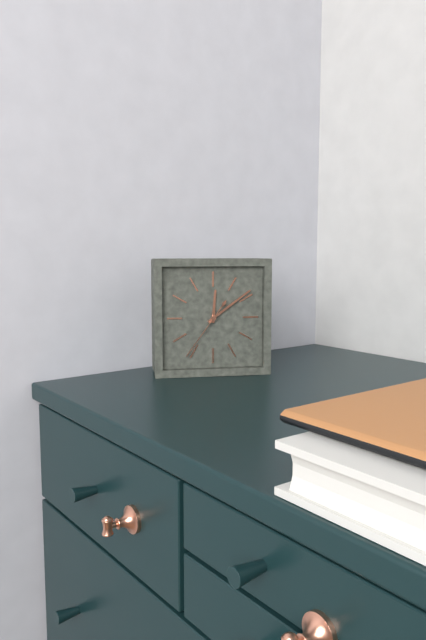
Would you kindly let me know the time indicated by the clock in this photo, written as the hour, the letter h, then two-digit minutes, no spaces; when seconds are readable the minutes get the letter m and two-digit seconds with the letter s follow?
12h09m36s
